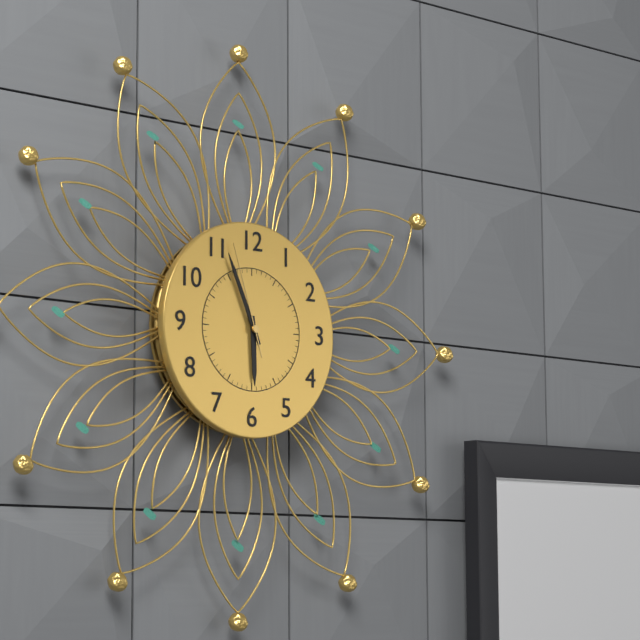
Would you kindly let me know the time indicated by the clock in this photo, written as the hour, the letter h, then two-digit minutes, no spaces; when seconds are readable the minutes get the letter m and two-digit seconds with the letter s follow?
5h56m57s
